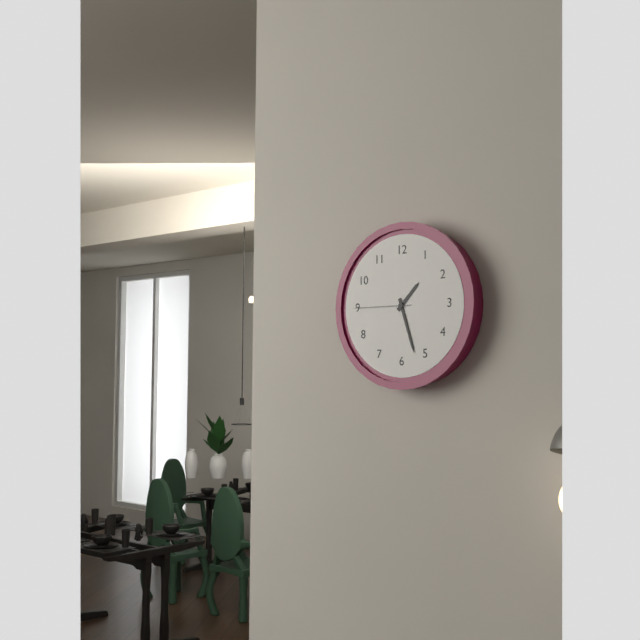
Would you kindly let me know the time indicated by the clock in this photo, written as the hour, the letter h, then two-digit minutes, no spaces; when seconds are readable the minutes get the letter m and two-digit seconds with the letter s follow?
1h27m45s
